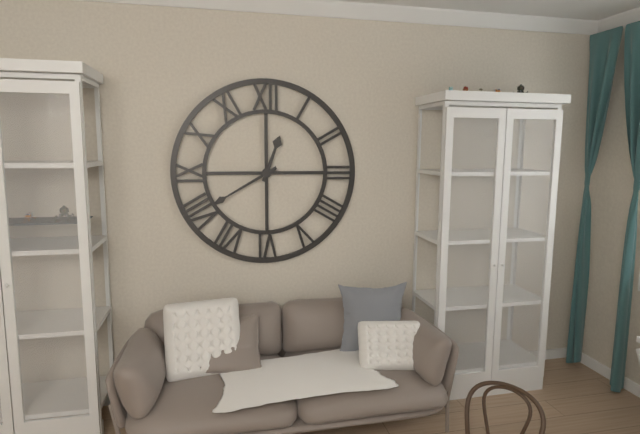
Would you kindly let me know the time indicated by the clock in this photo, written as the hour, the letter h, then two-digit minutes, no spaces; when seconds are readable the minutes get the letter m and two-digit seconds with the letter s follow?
12h40
